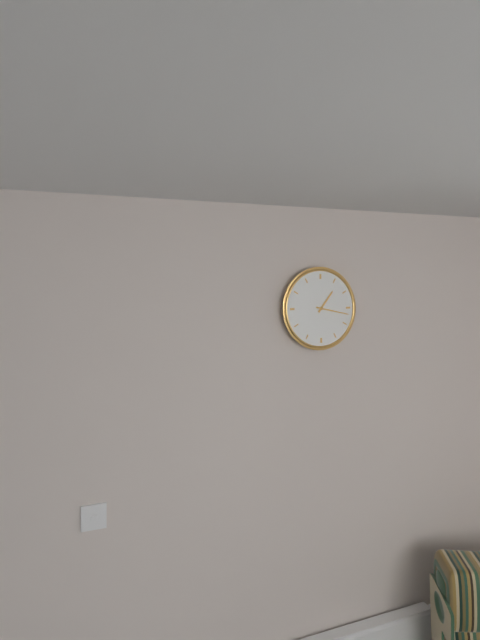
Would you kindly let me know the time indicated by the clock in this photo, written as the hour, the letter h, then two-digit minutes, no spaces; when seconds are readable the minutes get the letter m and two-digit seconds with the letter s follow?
1h17
